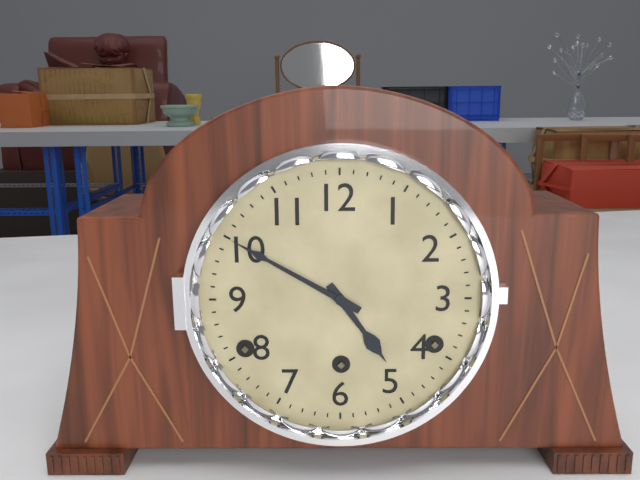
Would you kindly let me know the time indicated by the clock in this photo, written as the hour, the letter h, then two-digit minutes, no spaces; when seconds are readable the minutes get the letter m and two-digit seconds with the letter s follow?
4h50
